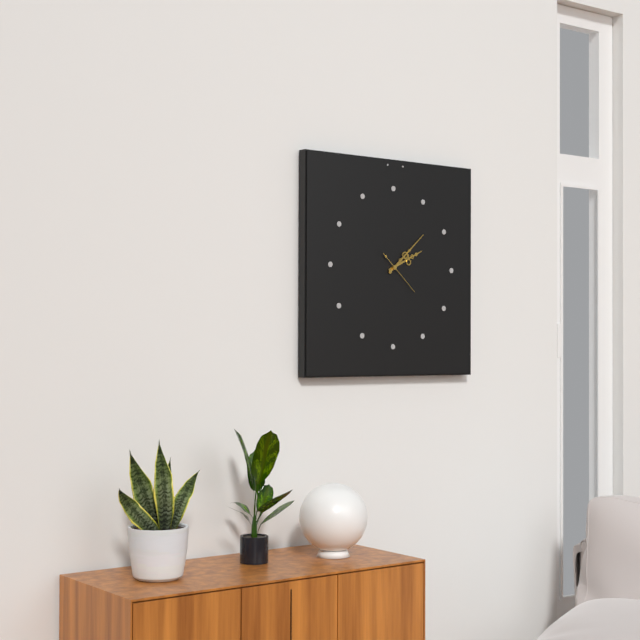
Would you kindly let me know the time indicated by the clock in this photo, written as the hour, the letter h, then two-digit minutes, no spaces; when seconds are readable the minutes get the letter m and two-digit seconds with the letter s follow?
2h08
